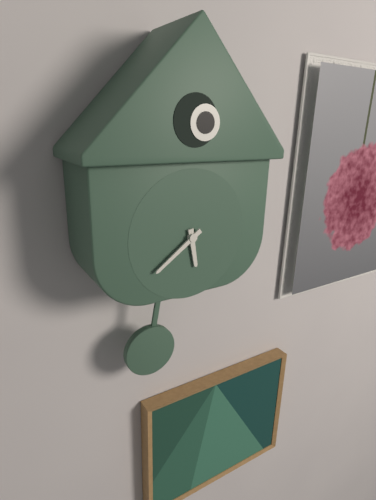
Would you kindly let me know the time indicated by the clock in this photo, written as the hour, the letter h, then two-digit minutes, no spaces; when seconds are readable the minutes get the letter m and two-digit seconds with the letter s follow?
5h39
